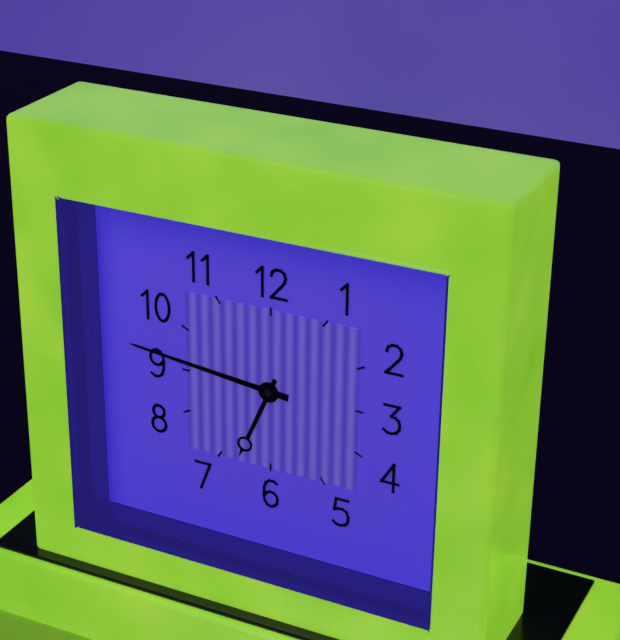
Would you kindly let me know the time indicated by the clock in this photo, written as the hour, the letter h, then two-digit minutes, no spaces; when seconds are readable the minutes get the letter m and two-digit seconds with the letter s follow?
6h46
